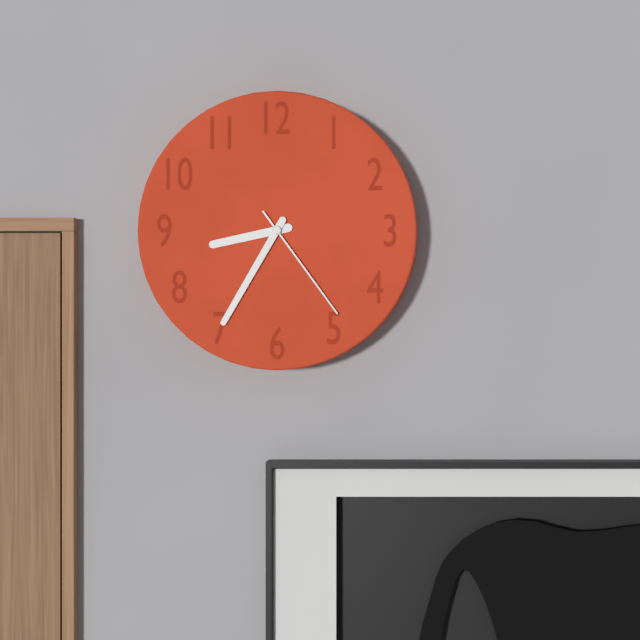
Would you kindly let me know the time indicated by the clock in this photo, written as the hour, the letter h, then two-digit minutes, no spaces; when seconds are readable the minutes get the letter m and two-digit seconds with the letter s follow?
8h35m24s
